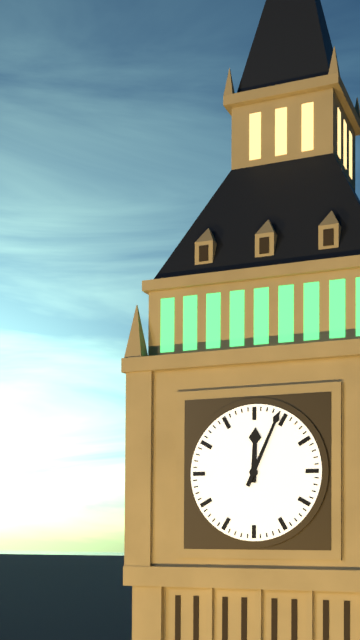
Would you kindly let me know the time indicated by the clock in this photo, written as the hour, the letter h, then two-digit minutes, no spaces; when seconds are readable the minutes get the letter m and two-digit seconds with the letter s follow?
12h04
